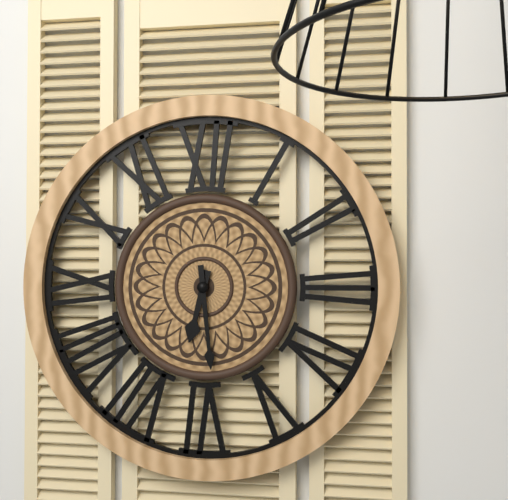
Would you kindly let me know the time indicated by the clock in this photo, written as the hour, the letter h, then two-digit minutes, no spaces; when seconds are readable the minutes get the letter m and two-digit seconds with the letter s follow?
6h29
